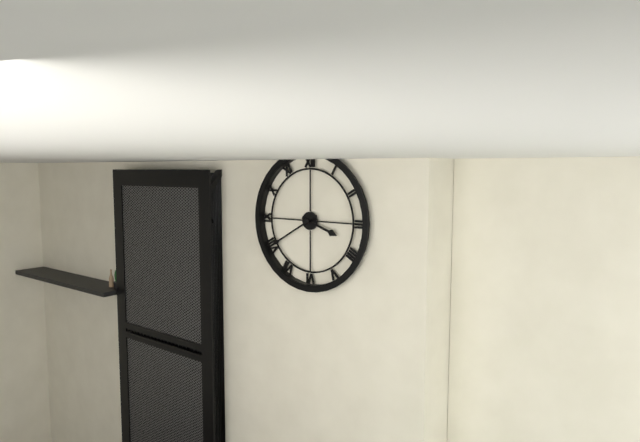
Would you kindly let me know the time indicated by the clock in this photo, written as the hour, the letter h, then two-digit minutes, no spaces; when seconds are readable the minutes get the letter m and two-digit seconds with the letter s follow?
3h40
